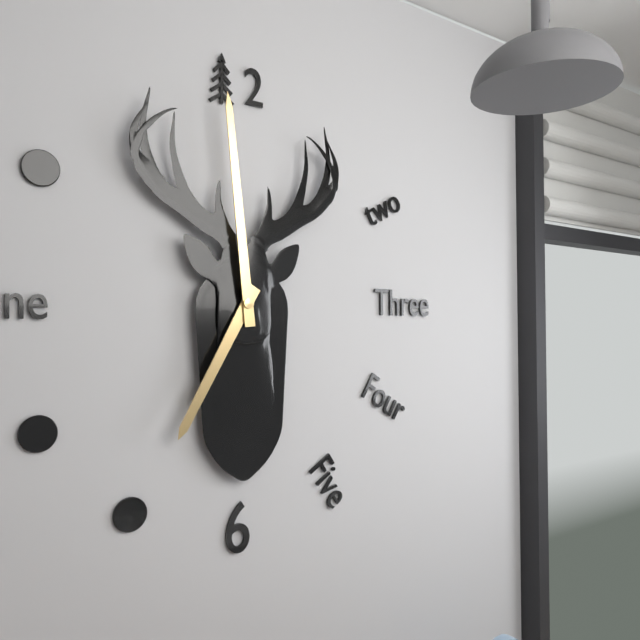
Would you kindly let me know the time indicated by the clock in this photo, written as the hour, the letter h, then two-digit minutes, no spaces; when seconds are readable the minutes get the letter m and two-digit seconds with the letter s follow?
6h59
